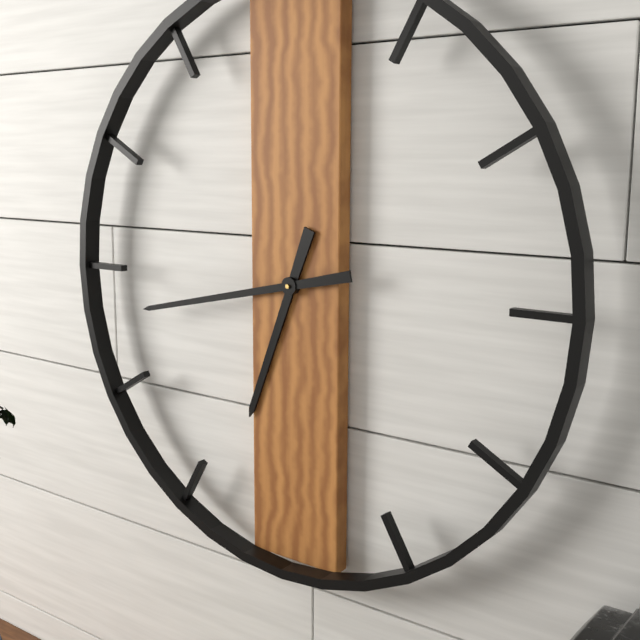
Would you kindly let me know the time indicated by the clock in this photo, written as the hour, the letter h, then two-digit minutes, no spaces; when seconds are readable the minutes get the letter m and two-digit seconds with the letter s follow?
6h43
